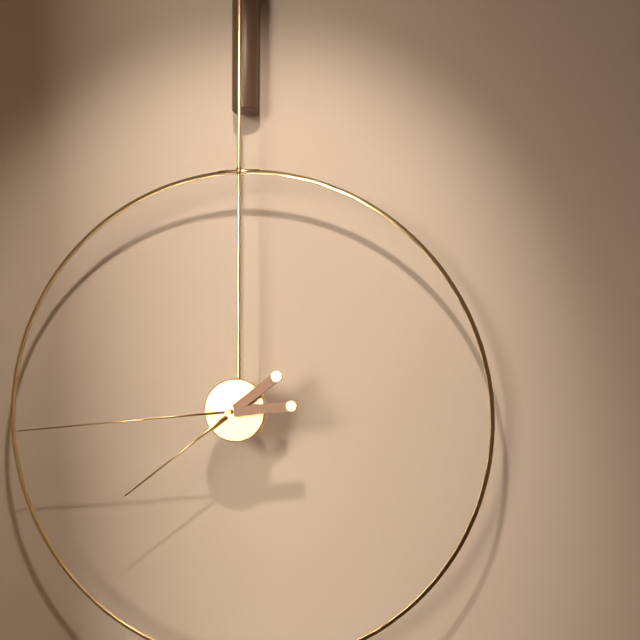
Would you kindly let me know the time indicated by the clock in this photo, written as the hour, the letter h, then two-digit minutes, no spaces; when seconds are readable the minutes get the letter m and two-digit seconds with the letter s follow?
7h44
